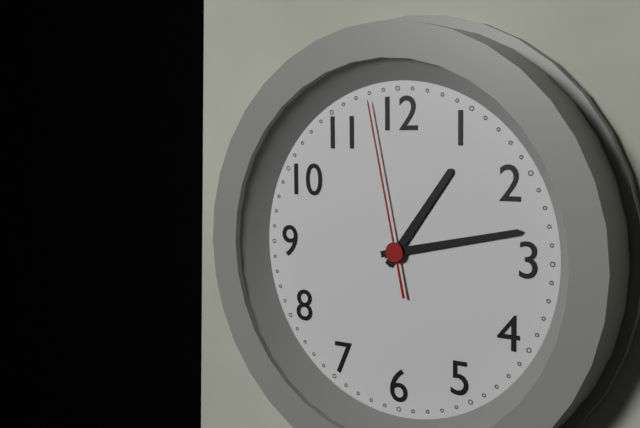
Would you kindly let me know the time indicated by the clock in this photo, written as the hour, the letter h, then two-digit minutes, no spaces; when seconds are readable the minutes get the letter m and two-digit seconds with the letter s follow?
1h13m58s
